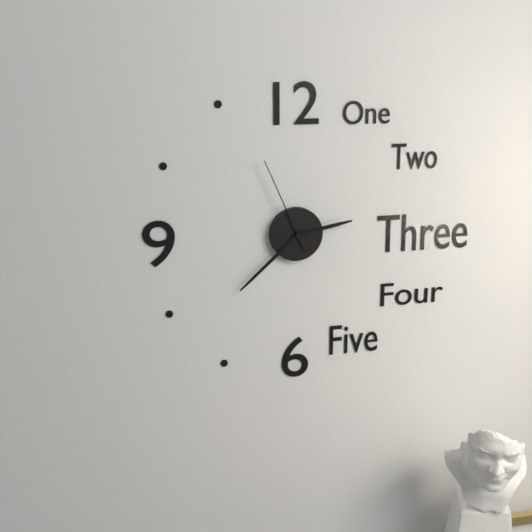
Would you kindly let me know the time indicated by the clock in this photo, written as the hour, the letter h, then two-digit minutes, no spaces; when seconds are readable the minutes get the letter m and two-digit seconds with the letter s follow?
2h38m56s
